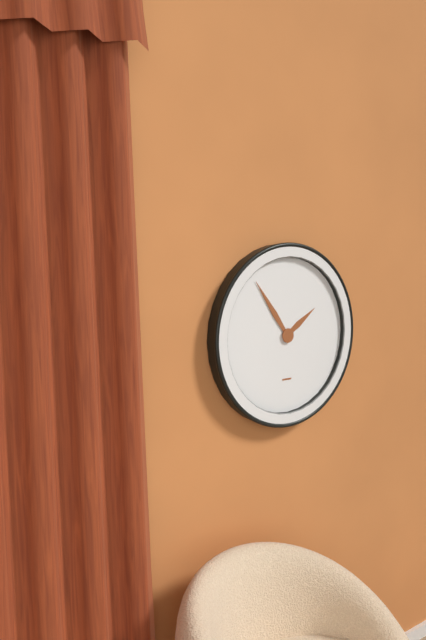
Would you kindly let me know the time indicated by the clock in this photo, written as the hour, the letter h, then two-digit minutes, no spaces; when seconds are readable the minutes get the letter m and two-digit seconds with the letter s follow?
1h54
